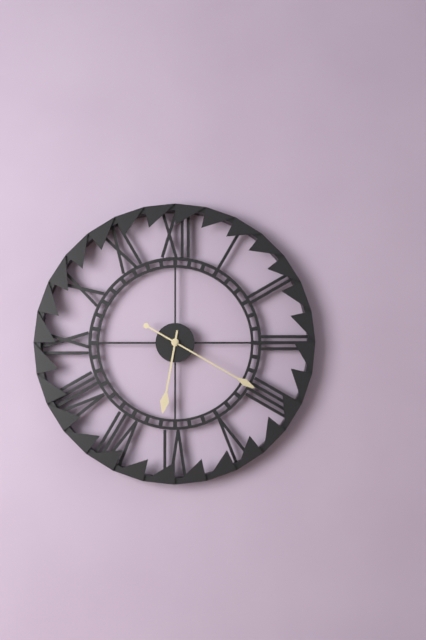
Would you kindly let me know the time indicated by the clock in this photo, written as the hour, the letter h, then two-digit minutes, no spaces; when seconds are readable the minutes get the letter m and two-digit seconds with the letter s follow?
6h20
